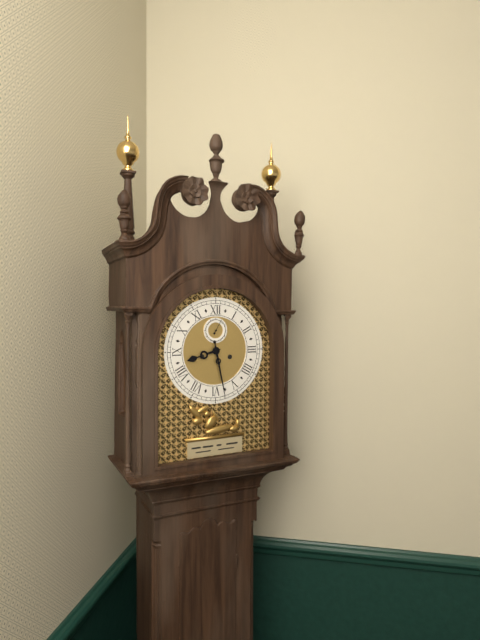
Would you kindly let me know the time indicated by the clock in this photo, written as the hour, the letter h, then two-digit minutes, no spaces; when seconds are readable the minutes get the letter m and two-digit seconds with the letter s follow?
8h28
